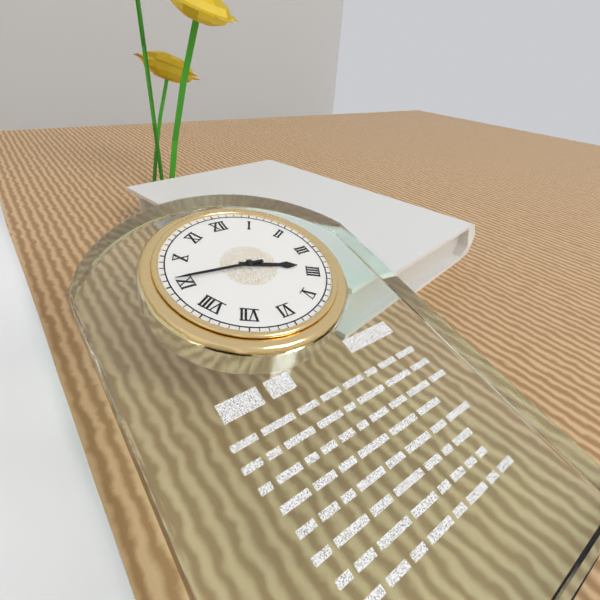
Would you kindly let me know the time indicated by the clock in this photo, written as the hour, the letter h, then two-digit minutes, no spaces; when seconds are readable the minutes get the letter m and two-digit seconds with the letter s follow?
3h46
